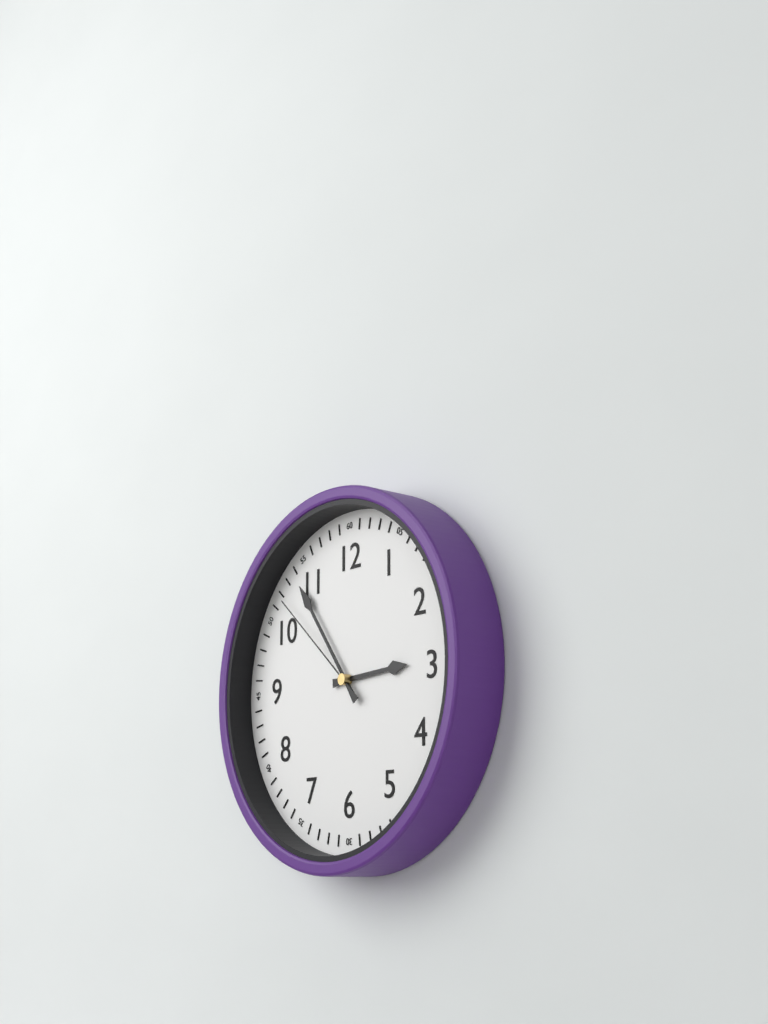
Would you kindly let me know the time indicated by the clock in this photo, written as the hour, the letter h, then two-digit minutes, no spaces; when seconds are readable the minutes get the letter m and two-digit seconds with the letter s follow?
2h54m52s
